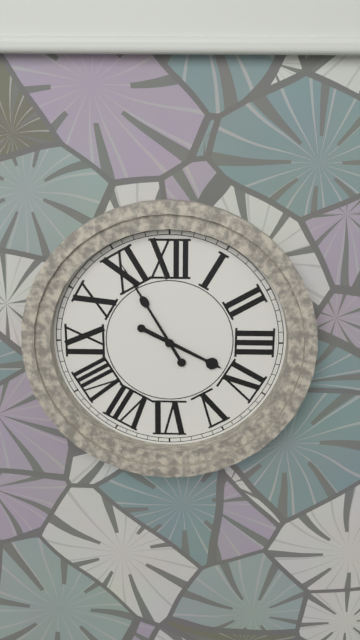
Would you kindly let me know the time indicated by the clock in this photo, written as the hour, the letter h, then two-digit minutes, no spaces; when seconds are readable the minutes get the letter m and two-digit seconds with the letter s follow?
3h55
